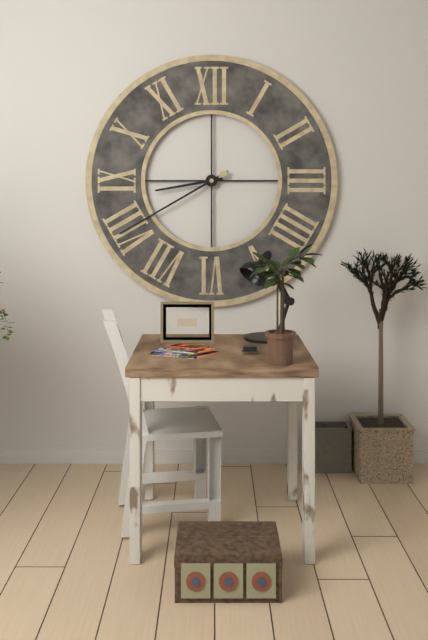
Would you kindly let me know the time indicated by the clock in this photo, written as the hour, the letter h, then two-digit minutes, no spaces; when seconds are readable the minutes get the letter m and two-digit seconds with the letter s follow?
8h40
